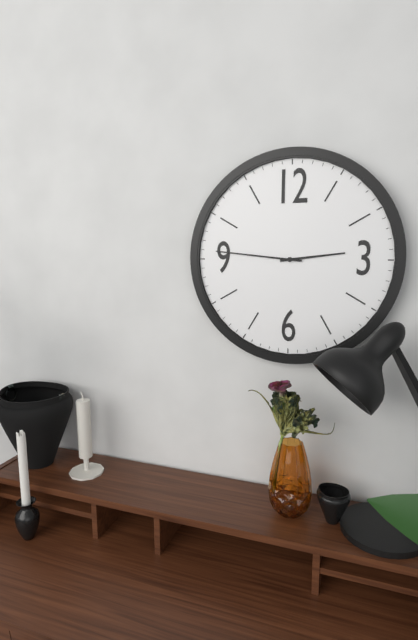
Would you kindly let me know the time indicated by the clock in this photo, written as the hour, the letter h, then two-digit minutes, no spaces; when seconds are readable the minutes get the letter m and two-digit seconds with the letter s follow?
2h46
